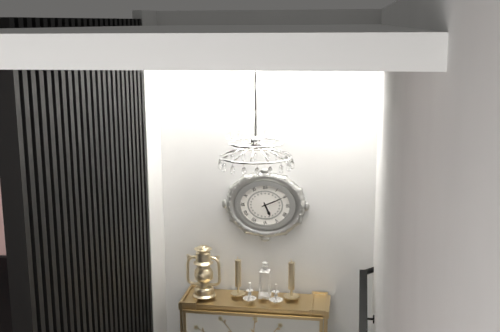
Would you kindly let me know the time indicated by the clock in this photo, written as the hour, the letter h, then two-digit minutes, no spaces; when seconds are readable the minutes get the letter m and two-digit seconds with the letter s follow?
5h11
